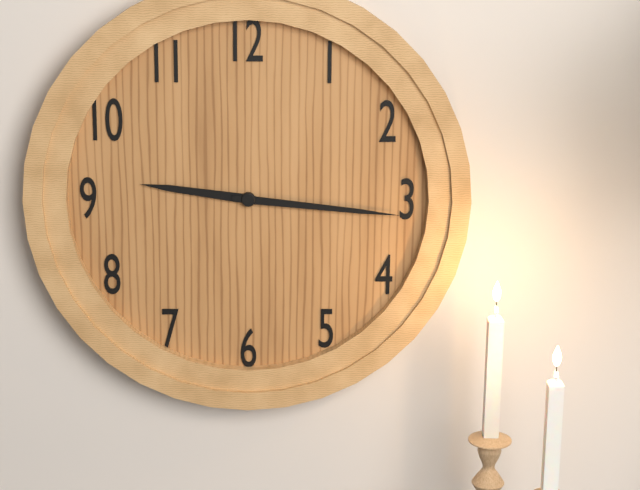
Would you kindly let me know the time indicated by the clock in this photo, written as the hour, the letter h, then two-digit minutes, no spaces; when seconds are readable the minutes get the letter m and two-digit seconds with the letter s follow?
9h16
